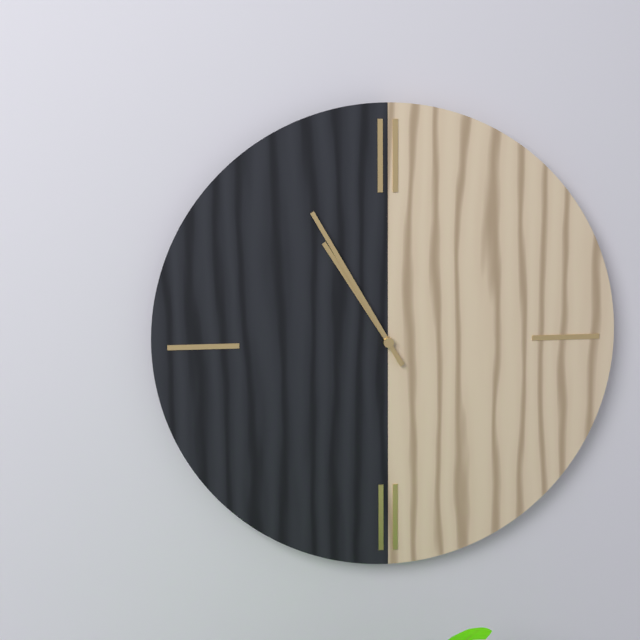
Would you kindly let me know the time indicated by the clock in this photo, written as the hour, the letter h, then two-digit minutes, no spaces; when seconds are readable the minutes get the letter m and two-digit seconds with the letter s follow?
10h55
